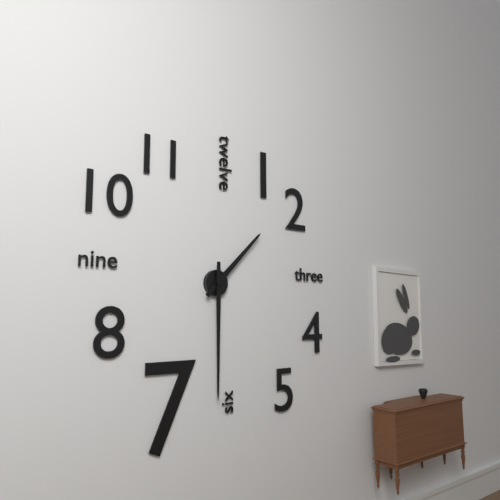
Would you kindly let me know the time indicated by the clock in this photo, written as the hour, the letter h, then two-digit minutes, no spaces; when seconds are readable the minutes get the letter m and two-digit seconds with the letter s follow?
1h30
